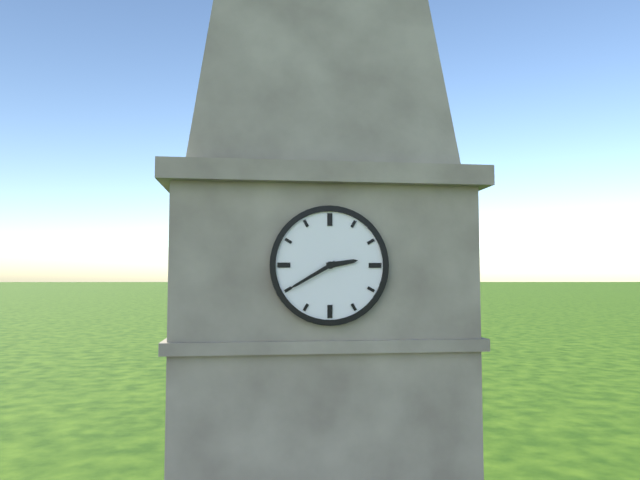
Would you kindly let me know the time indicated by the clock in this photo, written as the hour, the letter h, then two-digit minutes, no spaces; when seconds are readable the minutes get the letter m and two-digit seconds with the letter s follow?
2h40
